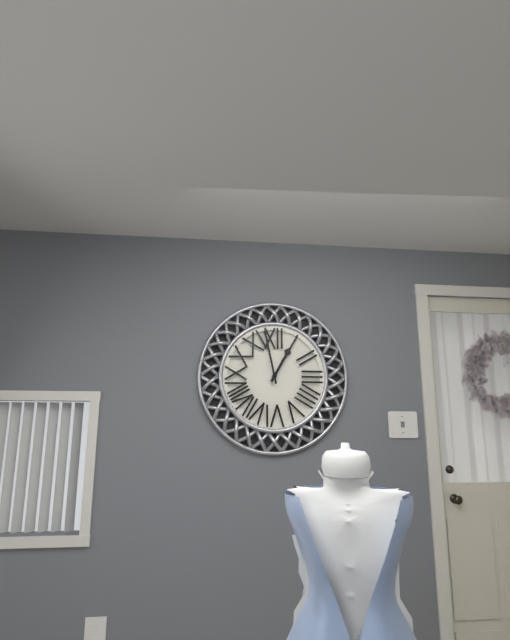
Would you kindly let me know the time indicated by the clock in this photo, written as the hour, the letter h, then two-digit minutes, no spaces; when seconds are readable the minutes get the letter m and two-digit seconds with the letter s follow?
12h58
